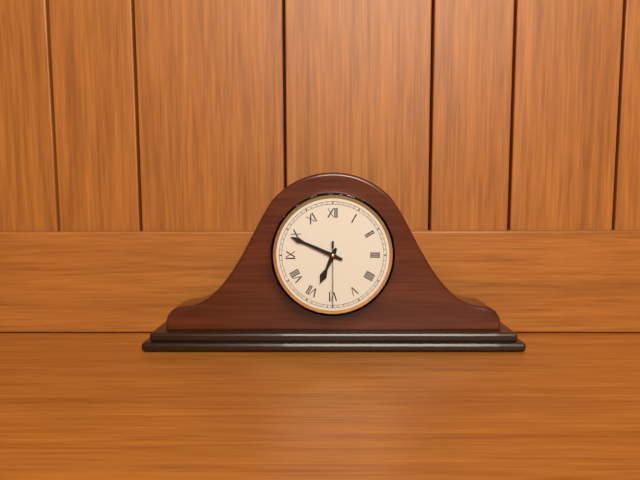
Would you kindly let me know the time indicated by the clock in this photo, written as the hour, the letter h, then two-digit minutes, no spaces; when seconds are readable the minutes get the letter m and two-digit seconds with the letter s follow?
6h49m30s
